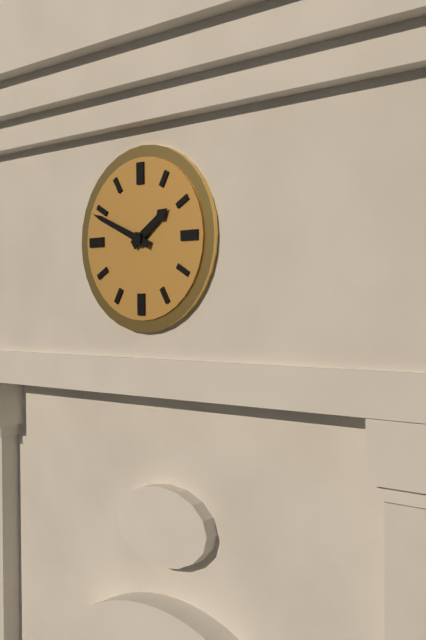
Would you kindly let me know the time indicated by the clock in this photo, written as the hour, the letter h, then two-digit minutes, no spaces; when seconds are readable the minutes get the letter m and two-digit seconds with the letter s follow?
1h49
